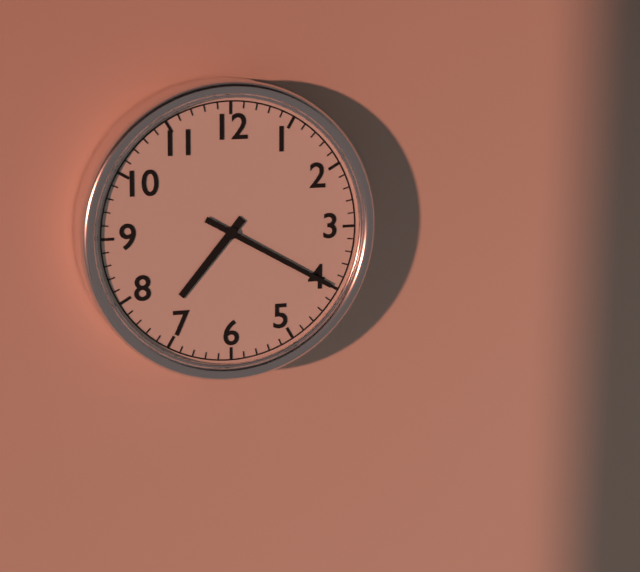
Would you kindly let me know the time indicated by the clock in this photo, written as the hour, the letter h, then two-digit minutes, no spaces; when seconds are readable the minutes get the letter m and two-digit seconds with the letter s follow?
7h20
